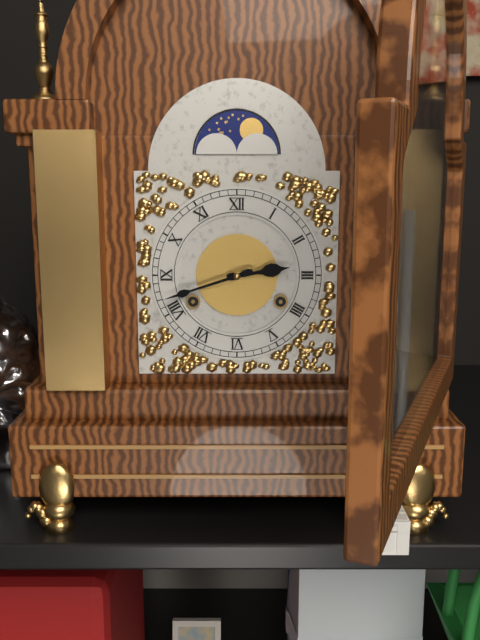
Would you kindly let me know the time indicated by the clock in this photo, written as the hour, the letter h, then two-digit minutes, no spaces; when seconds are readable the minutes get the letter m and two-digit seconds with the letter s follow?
2h42
